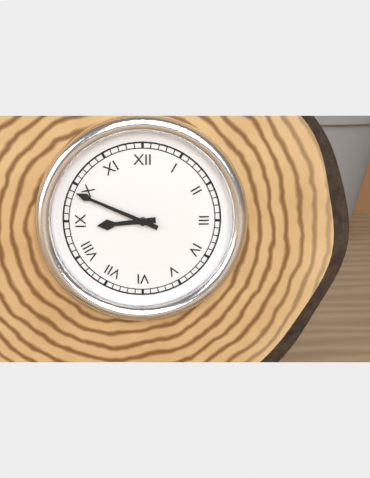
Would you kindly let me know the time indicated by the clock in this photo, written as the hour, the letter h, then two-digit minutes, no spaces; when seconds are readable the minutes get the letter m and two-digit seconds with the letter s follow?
8h49
